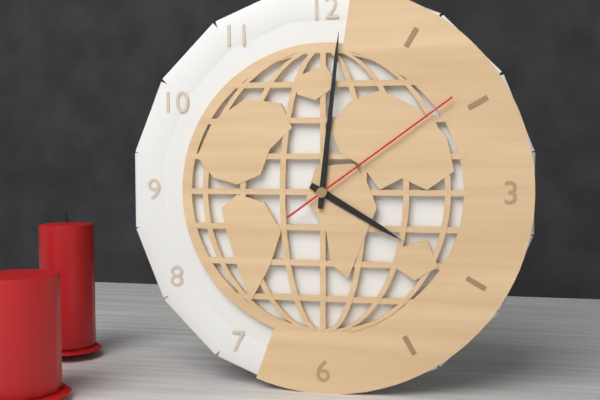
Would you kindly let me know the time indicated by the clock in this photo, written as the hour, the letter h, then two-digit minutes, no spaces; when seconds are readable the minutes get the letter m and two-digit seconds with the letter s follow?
4h01m09s
